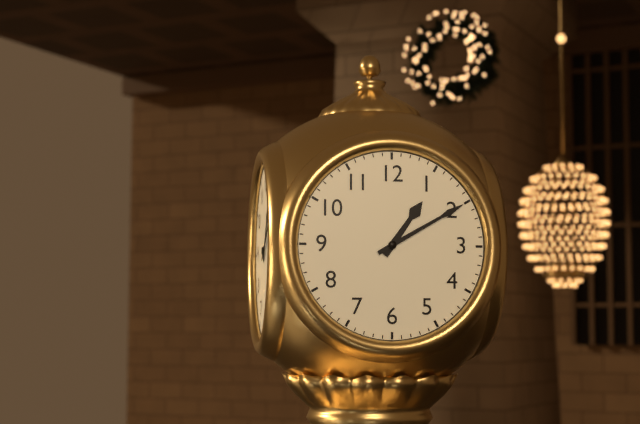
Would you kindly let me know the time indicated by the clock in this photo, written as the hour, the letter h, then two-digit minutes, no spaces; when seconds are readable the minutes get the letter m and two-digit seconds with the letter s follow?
1h10
